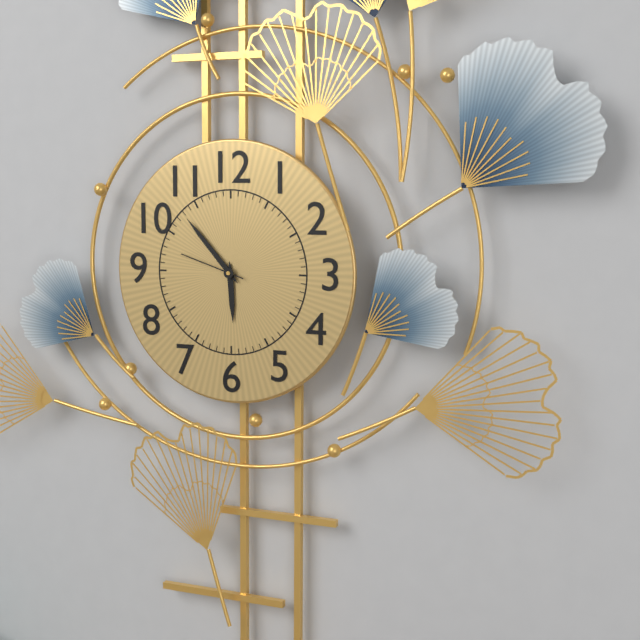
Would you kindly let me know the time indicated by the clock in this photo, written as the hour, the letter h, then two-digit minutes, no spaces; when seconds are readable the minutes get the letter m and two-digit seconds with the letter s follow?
5h53m48s
